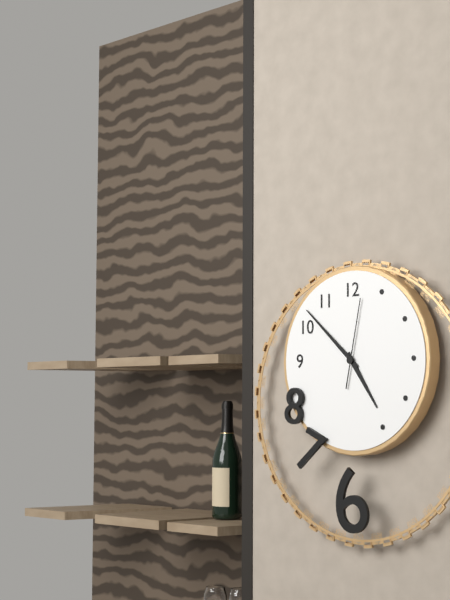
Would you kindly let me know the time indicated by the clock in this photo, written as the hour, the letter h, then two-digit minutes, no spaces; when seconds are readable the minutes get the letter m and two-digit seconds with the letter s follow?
4h52m02s
